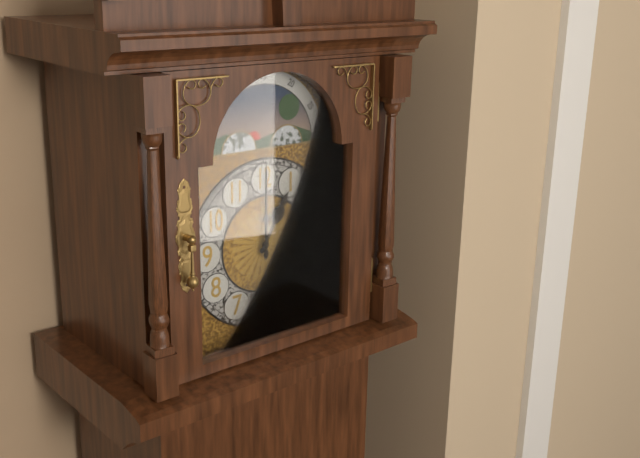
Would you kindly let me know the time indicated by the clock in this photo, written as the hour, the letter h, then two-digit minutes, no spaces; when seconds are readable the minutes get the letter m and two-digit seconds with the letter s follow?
1h00
